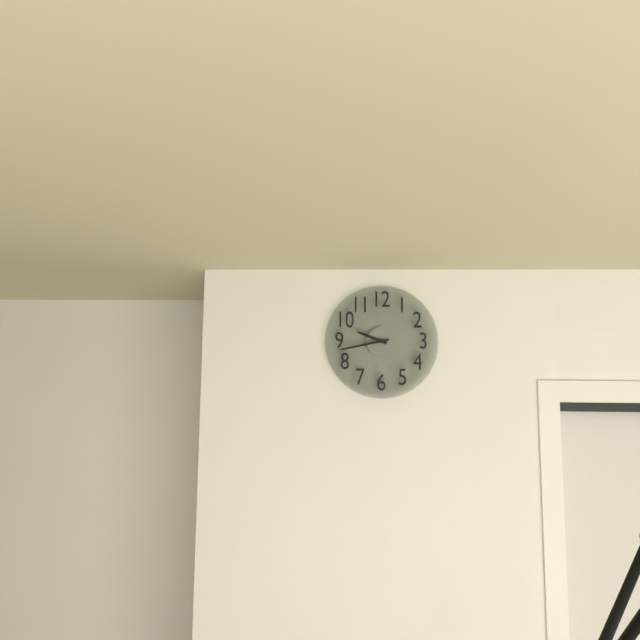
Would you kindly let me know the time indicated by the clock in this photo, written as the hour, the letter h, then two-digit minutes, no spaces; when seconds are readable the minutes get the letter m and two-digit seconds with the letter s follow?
9h43
